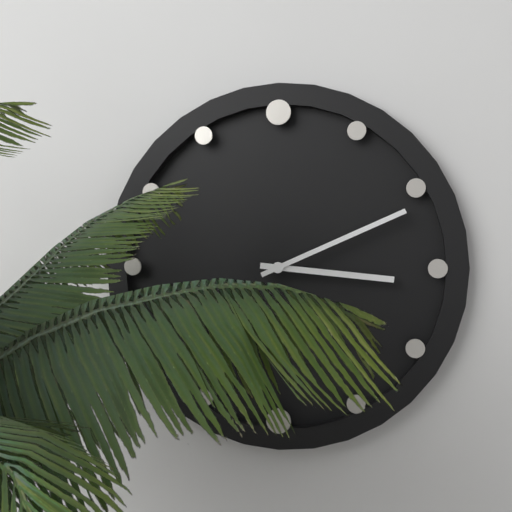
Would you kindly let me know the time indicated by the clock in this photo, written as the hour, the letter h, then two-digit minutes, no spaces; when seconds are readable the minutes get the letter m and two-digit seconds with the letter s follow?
3h11
